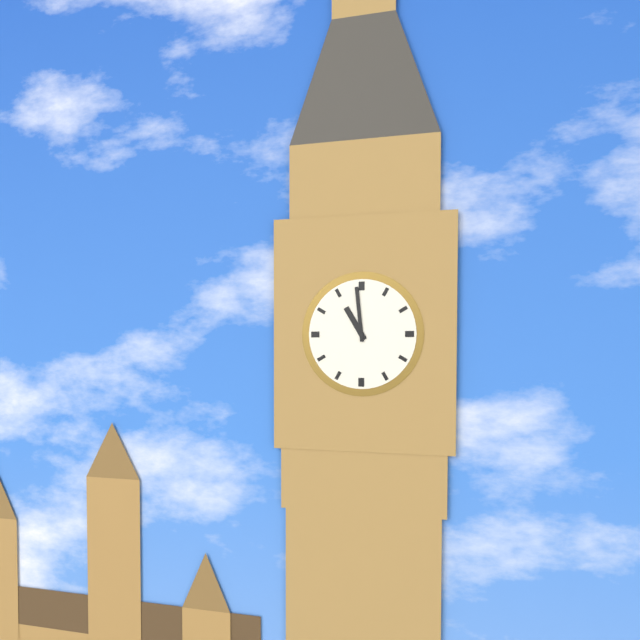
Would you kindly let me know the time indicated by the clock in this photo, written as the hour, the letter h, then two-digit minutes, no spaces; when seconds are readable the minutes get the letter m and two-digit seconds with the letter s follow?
10h59
